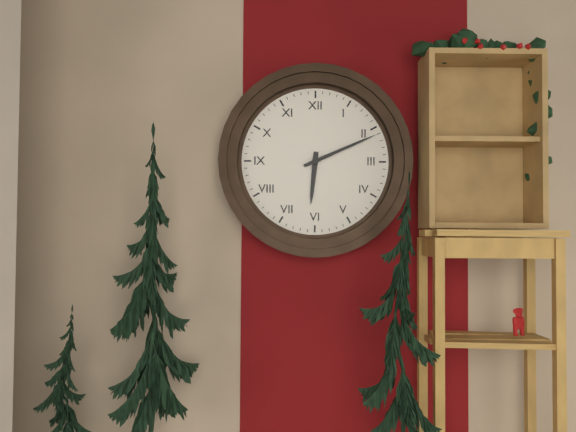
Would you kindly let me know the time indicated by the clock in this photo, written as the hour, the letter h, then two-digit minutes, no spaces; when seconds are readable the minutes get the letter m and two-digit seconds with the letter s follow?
6h11
